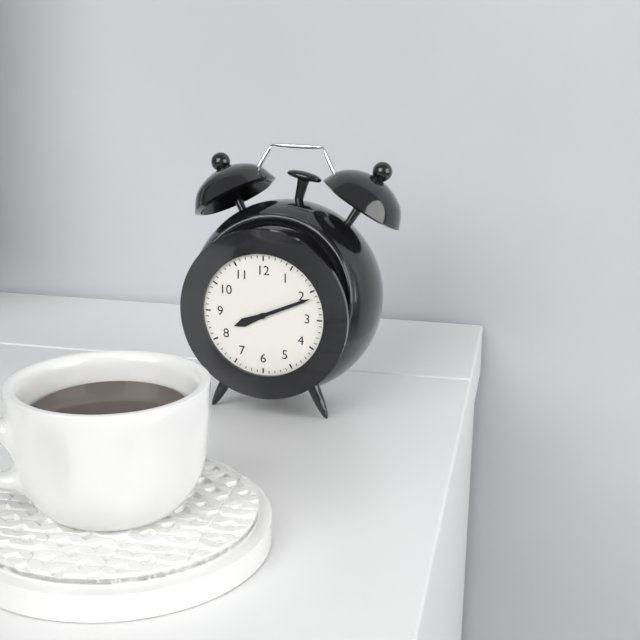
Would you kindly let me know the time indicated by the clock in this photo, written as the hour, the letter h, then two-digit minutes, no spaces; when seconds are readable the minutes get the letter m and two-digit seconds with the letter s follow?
8h11
